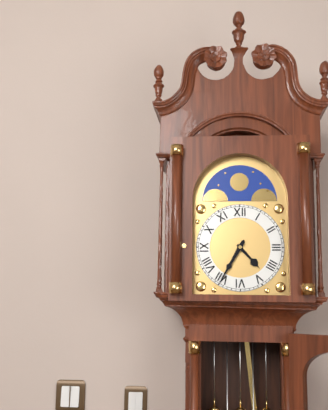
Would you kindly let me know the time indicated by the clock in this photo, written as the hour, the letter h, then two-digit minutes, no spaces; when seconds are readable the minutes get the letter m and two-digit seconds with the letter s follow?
4h35
